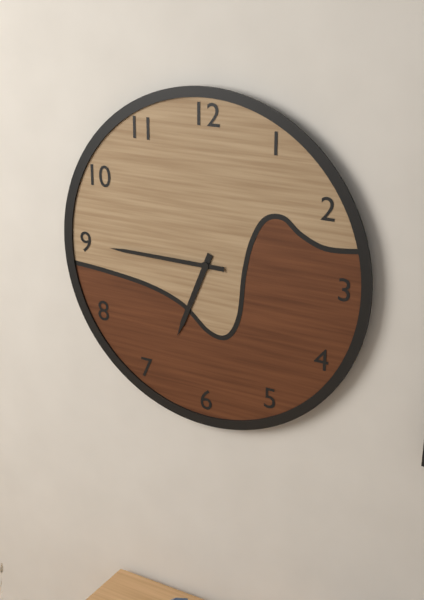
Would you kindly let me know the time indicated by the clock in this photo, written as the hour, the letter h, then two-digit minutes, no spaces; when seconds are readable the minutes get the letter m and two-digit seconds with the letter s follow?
6h45
